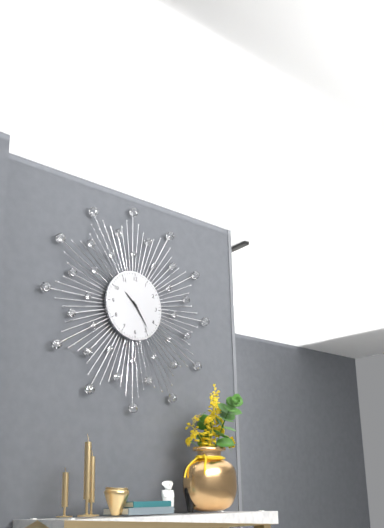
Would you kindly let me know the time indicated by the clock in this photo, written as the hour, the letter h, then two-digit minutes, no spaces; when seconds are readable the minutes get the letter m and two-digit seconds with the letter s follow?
10h24
